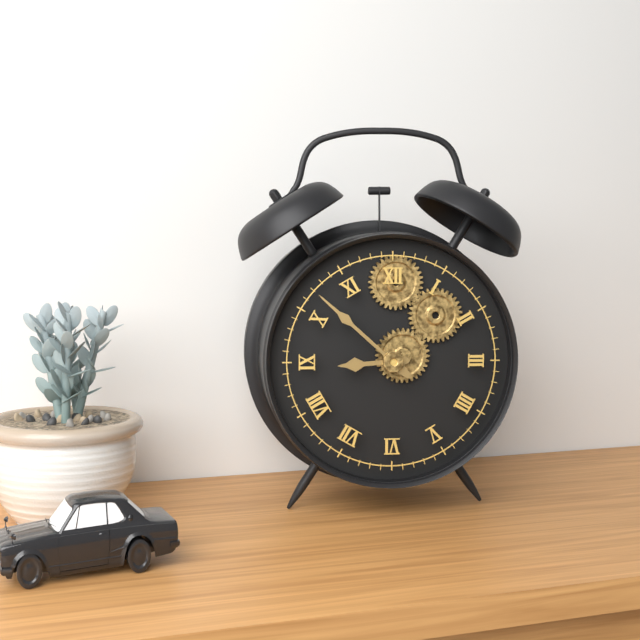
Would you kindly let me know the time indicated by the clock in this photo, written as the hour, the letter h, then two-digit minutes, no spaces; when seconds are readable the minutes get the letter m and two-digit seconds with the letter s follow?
8h52
